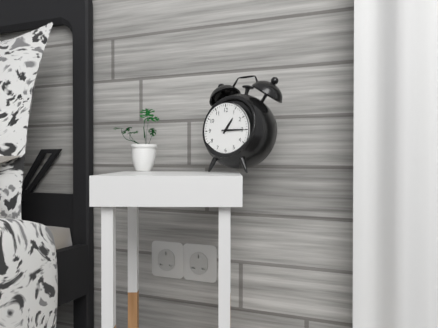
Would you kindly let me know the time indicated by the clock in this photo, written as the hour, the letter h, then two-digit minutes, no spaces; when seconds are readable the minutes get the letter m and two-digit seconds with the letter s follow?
1h15
